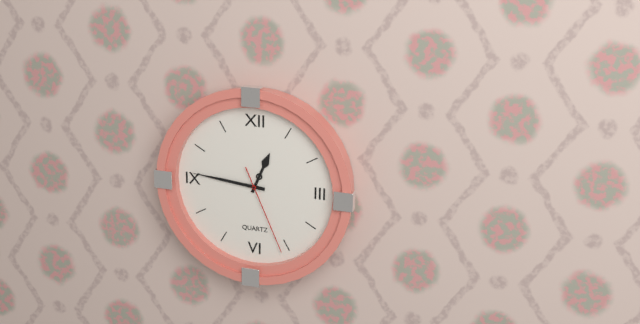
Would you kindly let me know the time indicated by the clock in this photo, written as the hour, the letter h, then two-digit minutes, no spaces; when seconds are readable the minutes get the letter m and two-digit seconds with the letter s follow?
12h46m26s
